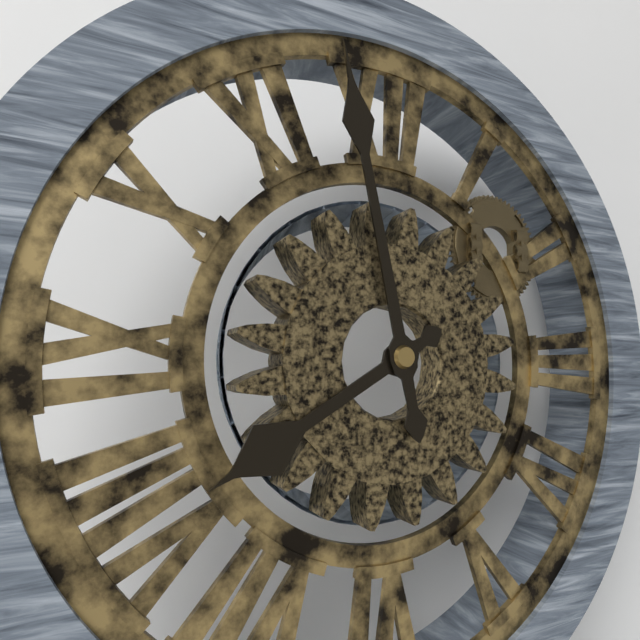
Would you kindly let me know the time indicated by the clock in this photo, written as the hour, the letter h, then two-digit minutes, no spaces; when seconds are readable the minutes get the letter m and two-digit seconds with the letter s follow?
7h58
